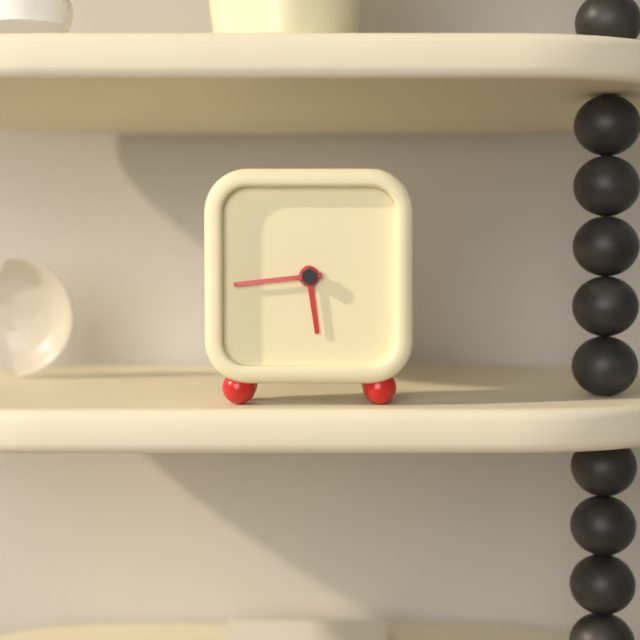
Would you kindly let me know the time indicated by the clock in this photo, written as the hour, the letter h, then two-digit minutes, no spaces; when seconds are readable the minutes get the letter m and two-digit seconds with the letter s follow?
5h44
